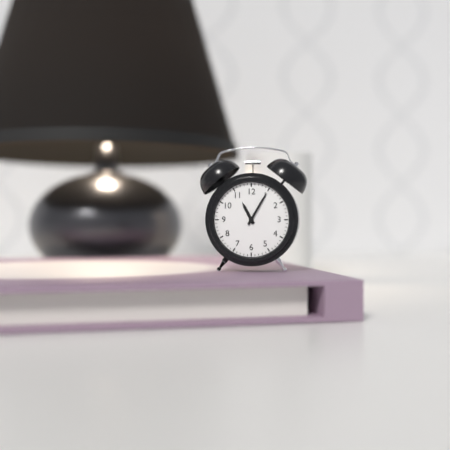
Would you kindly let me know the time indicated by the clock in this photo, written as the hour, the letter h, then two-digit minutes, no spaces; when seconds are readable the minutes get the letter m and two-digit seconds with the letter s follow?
11h05
